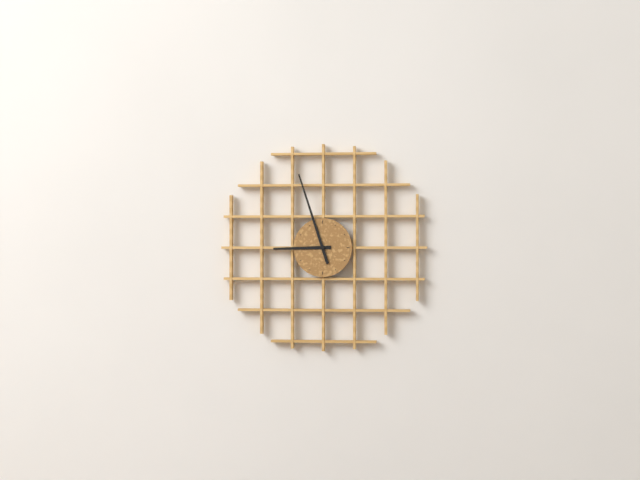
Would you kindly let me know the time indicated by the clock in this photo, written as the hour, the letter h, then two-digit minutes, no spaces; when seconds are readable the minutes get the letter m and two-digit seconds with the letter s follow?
8h57
